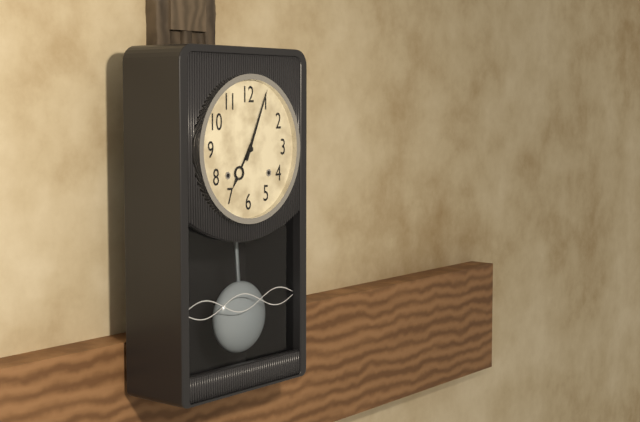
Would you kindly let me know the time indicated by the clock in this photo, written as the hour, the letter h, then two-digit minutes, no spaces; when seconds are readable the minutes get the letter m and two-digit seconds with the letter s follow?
7h04
